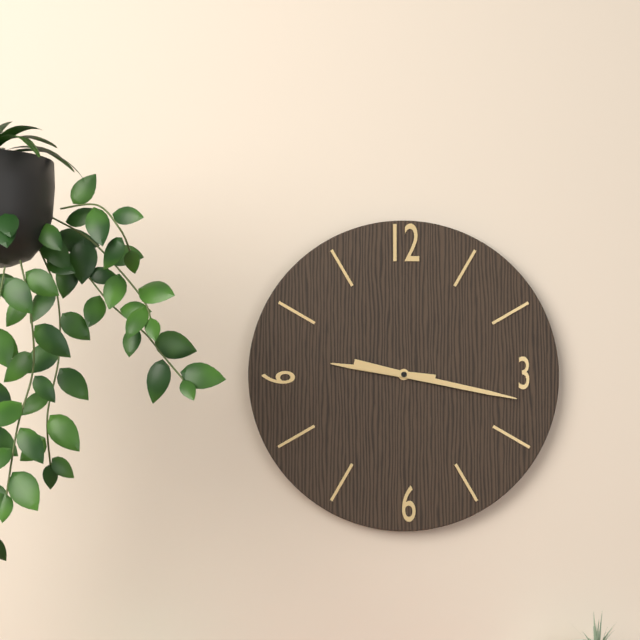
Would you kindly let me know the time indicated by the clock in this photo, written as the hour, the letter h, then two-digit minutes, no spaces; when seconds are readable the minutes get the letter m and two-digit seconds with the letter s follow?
9h17
